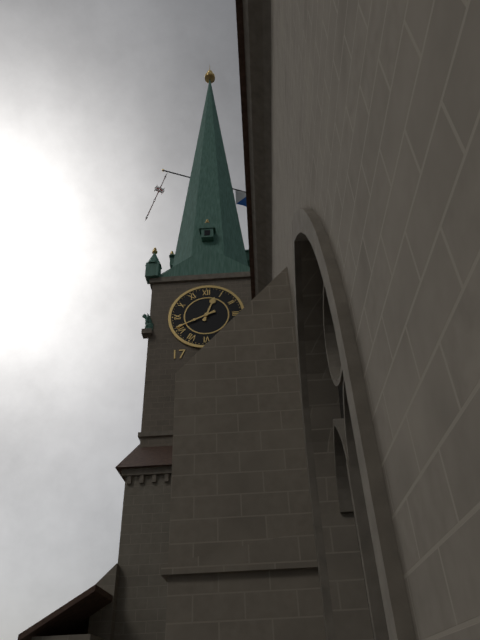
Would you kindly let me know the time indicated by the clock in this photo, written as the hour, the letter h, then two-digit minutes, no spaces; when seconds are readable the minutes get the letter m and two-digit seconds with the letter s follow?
12h41
